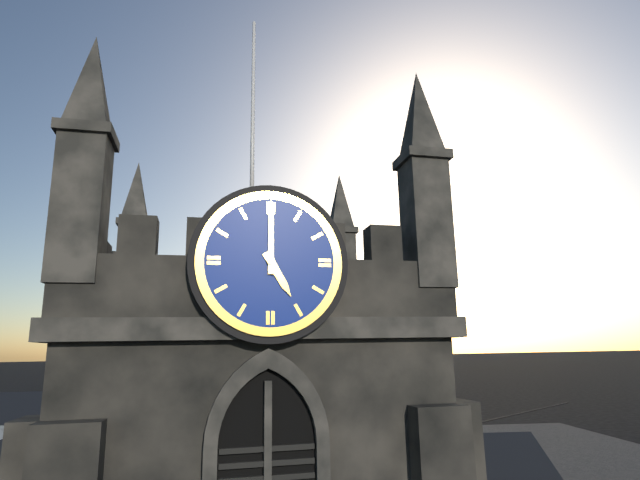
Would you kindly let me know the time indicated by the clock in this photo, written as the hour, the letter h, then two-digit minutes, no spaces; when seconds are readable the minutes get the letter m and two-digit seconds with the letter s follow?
5h00
